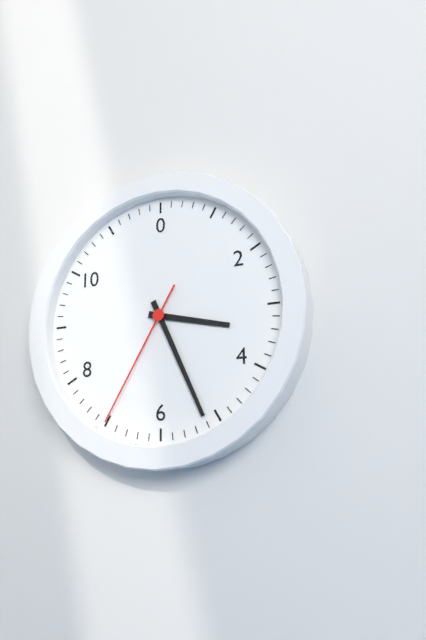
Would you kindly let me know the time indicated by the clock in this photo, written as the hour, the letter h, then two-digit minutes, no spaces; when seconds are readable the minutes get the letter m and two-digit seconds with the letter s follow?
3h26m35s
